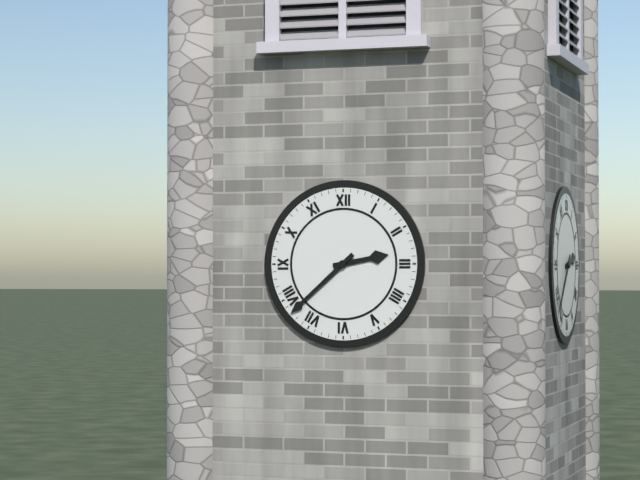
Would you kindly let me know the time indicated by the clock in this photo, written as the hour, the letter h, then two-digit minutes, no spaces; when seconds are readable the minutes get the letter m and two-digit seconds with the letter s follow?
2h38
